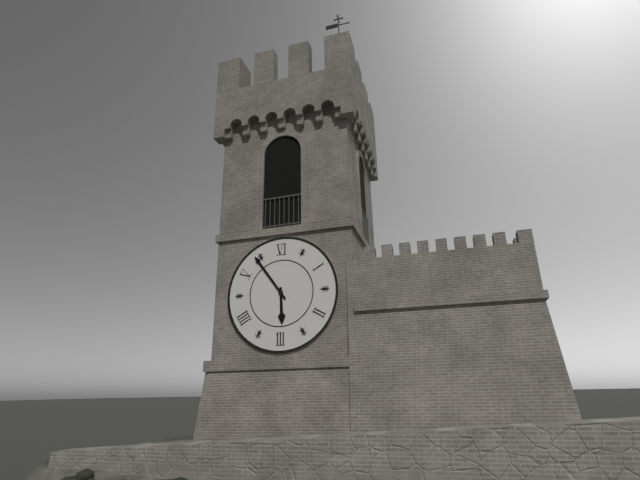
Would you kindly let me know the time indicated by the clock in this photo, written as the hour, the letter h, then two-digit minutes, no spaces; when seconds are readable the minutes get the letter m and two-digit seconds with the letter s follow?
5h54
